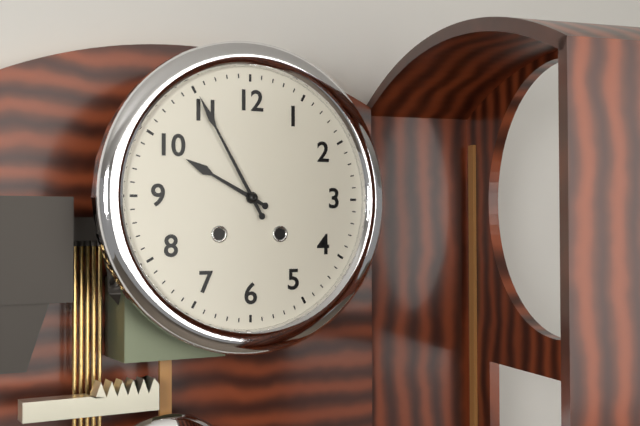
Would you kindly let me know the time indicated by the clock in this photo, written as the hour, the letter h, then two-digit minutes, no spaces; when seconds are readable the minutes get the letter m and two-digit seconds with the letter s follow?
9h55
